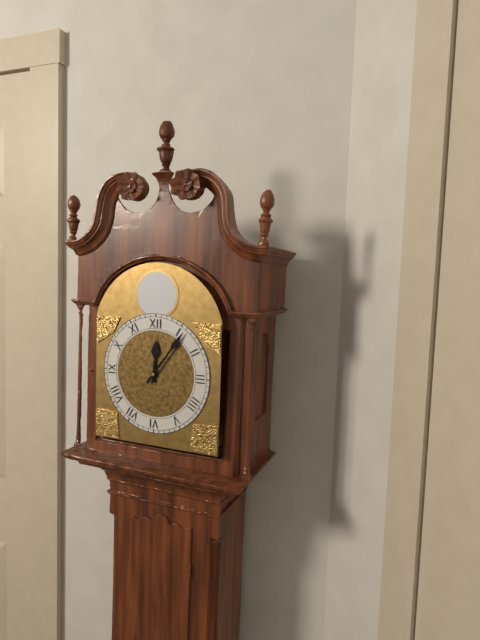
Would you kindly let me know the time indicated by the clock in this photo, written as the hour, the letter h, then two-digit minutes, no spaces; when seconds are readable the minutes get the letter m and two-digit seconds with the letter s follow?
12h06
